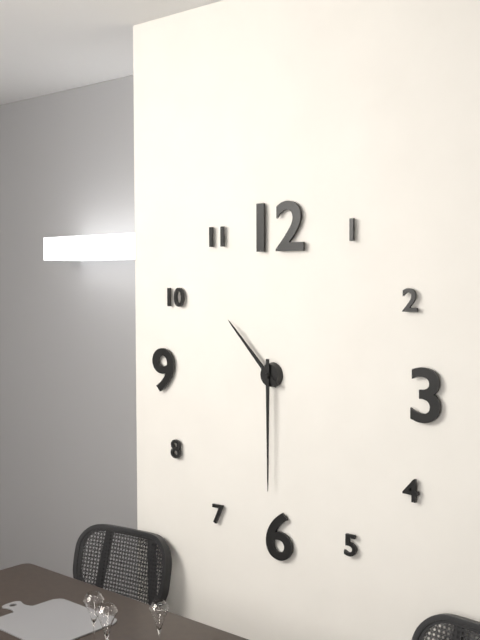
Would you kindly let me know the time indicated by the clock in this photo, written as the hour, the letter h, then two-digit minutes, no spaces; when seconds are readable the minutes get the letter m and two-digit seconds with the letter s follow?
10h30
